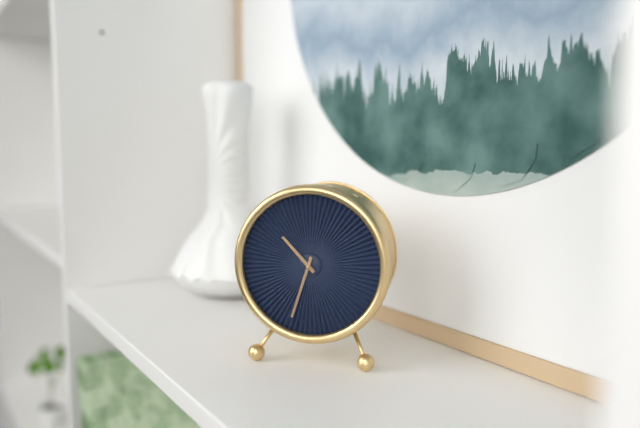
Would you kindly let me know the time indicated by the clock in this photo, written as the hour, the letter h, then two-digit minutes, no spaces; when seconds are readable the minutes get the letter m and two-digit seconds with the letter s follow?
10h33
